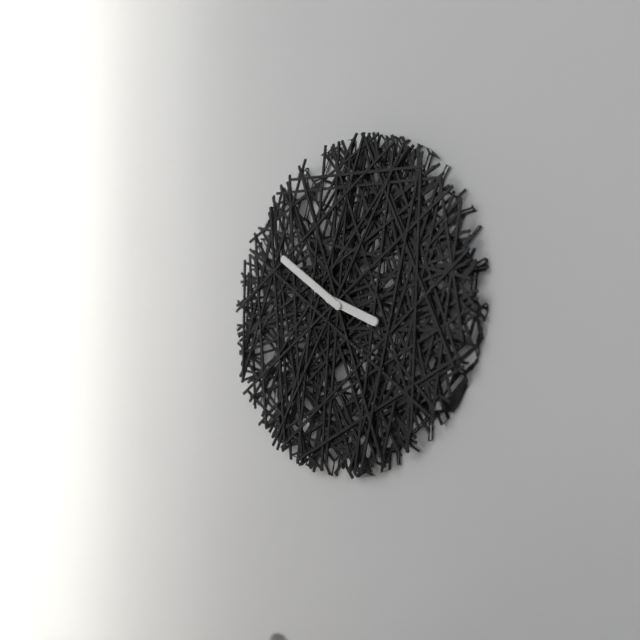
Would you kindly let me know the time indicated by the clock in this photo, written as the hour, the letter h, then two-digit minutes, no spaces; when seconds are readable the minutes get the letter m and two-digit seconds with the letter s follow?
3h51
